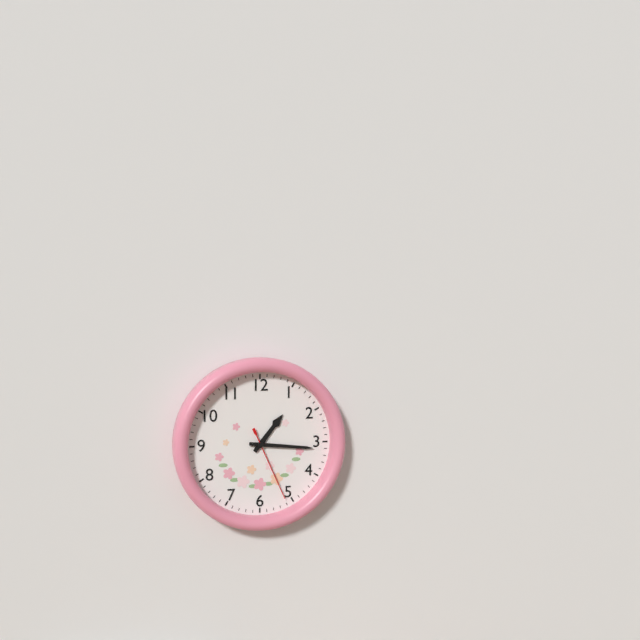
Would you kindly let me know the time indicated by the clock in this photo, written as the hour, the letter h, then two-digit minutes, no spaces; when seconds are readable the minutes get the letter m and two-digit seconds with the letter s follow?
1h16m26s
